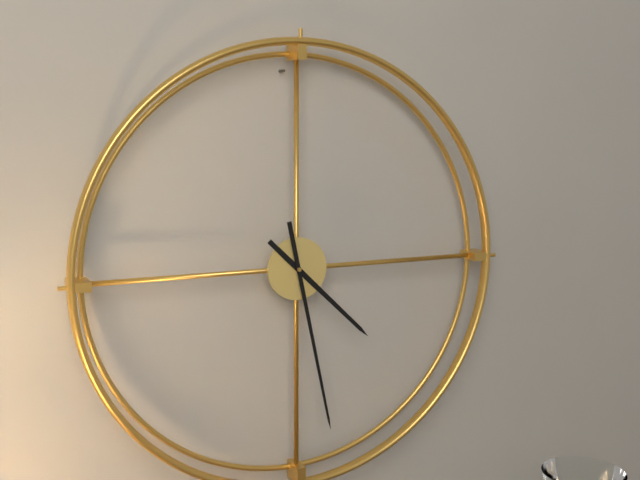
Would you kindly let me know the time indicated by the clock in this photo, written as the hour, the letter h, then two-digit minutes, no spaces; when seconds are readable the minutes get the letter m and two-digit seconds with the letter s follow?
4h28
